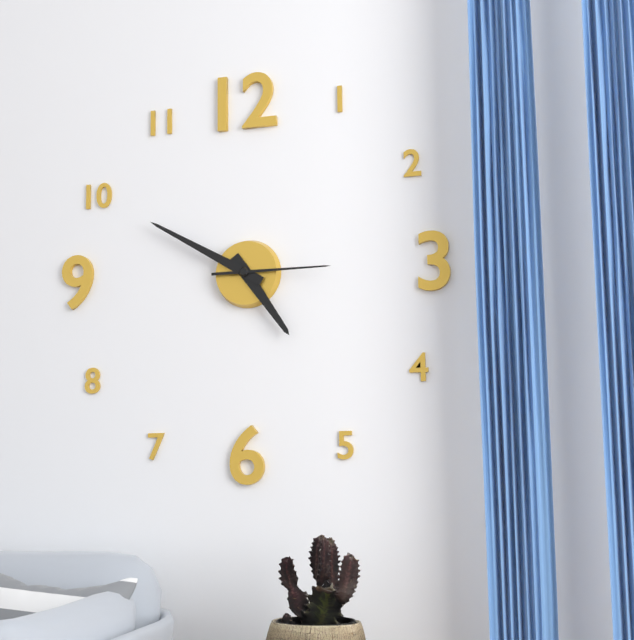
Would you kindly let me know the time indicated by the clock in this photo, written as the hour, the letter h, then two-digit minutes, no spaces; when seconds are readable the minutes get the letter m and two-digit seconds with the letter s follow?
4h50m15s
